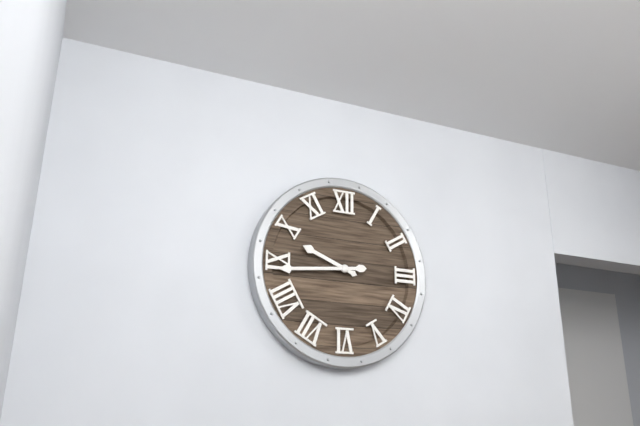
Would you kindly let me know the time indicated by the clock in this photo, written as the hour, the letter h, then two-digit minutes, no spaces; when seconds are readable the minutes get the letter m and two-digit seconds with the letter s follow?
9h44
